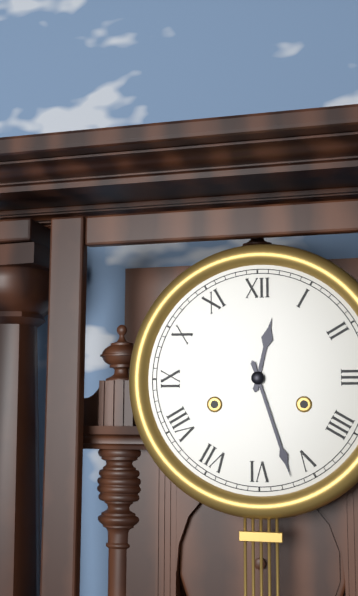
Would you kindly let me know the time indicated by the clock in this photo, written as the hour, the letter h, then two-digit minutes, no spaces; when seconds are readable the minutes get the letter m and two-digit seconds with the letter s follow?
12h27
